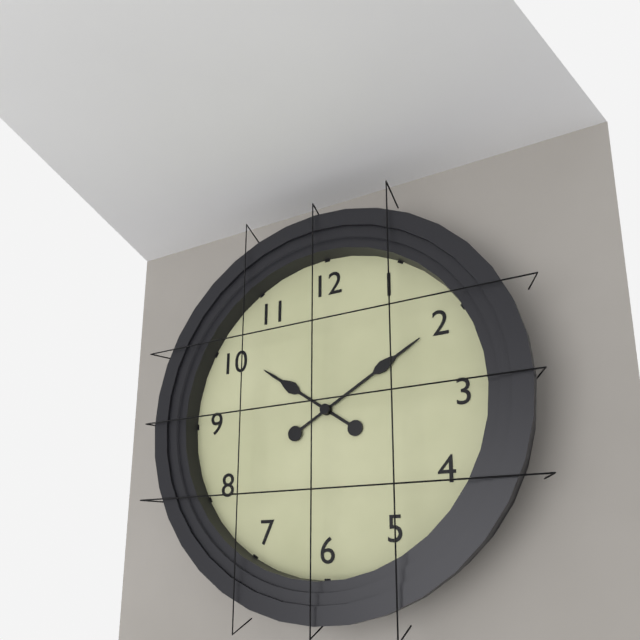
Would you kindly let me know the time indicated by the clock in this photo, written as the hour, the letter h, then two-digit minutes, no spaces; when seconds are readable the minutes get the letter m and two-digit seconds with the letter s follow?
10h10
